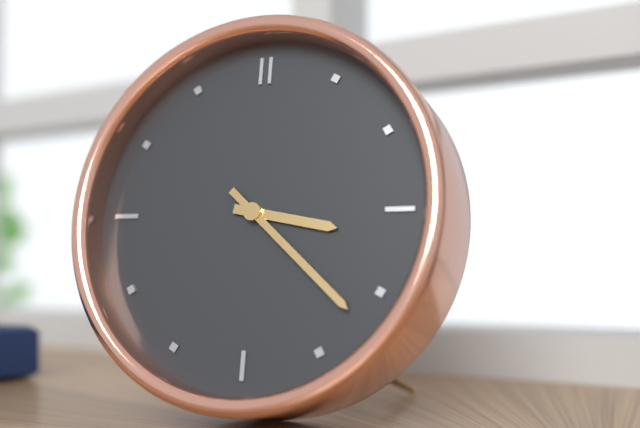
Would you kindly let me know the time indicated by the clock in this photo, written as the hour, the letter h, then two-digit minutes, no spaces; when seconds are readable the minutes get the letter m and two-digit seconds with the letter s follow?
3h22
